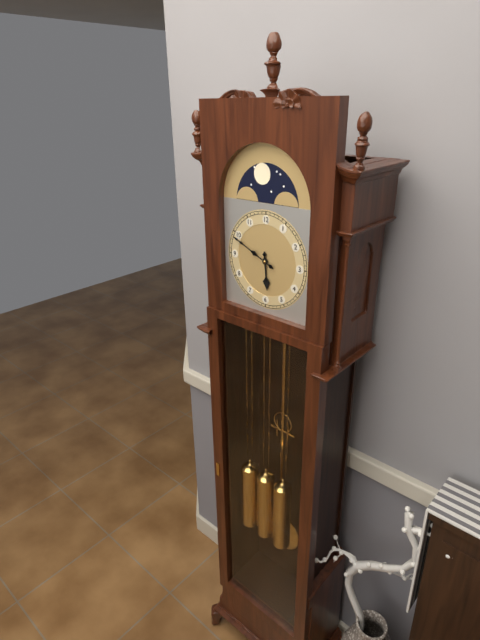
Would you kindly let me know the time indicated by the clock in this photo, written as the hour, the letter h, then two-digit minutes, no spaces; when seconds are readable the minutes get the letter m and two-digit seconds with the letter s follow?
5h49
